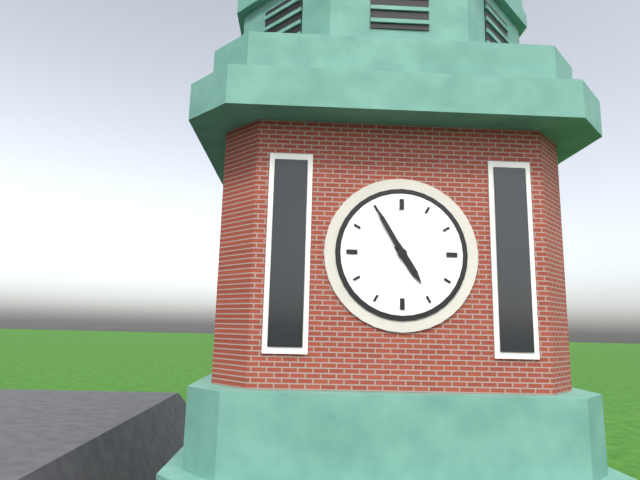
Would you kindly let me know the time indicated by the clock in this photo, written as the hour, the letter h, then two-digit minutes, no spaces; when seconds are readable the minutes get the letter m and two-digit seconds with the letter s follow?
4h55
